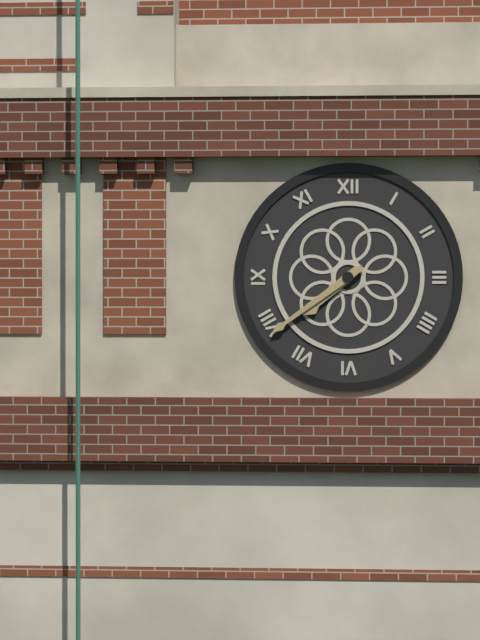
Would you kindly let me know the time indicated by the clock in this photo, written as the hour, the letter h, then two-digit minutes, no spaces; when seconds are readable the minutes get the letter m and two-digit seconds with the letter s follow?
7h39
